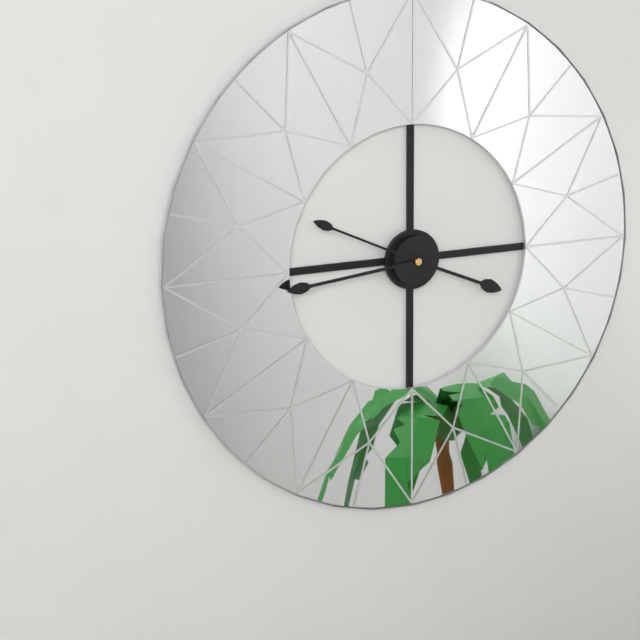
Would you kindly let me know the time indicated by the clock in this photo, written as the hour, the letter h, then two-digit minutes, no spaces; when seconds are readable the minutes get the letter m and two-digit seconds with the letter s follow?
3h44m49s
